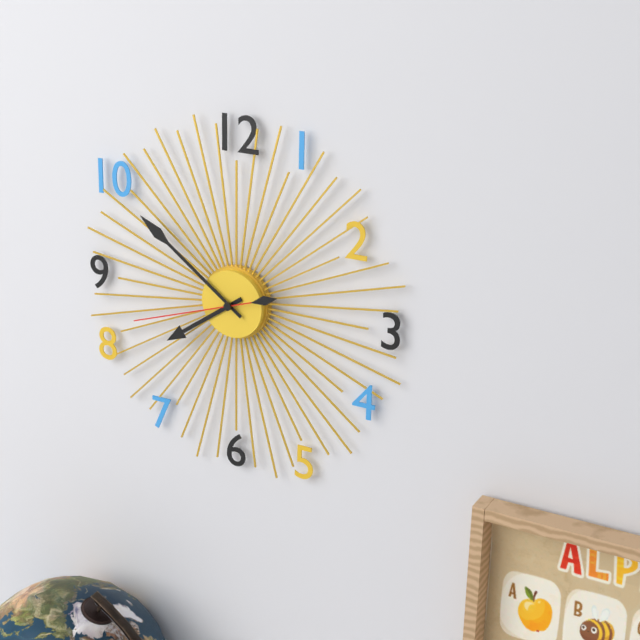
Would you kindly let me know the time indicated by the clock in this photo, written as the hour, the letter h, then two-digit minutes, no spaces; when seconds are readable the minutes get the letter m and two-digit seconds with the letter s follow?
7h51m42s
